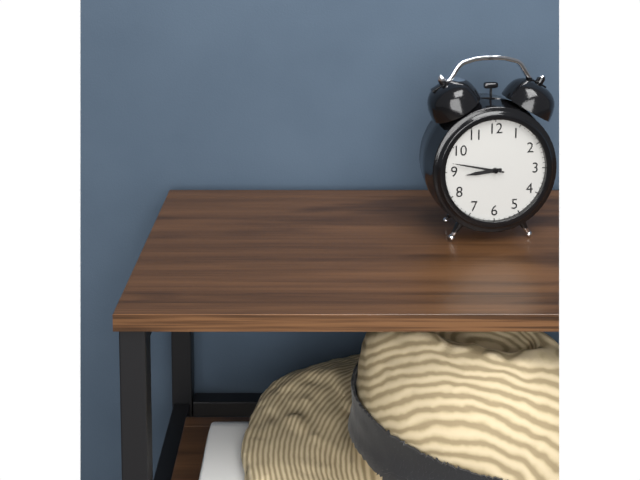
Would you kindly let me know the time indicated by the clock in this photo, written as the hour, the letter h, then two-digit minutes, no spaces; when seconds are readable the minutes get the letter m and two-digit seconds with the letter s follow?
8h47
